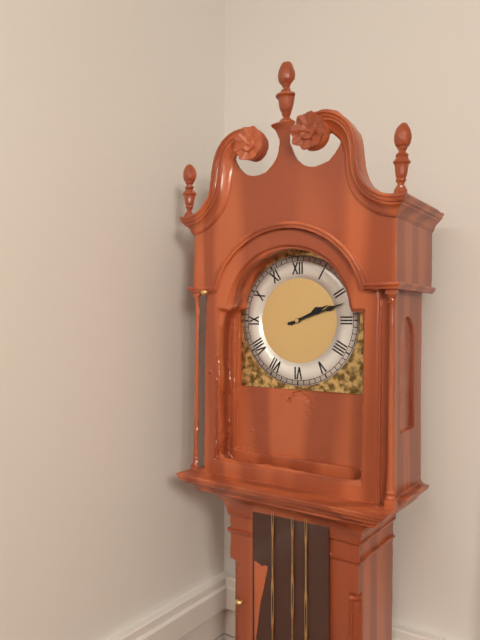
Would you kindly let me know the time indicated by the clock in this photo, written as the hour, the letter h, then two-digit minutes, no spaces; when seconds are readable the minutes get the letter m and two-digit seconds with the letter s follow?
2h12
